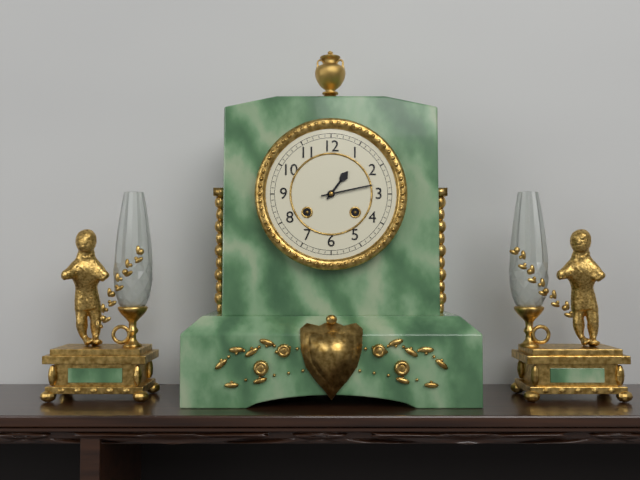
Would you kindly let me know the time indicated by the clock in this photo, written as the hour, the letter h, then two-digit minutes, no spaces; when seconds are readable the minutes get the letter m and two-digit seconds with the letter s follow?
1h13
